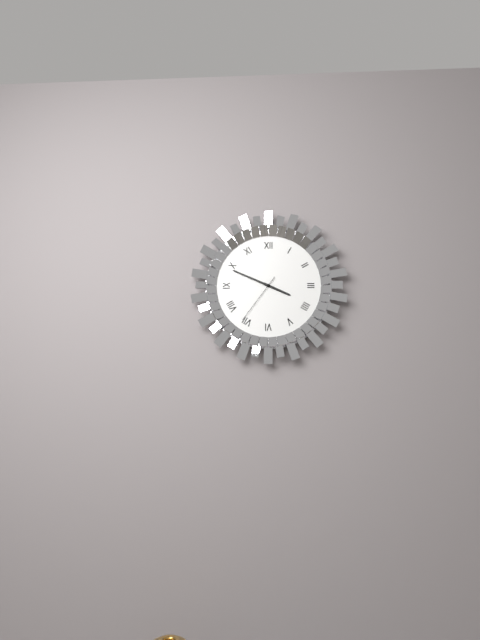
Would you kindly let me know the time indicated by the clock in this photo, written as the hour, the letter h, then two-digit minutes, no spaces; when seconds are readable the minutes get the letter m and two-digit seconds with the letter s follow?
3h49m36s
